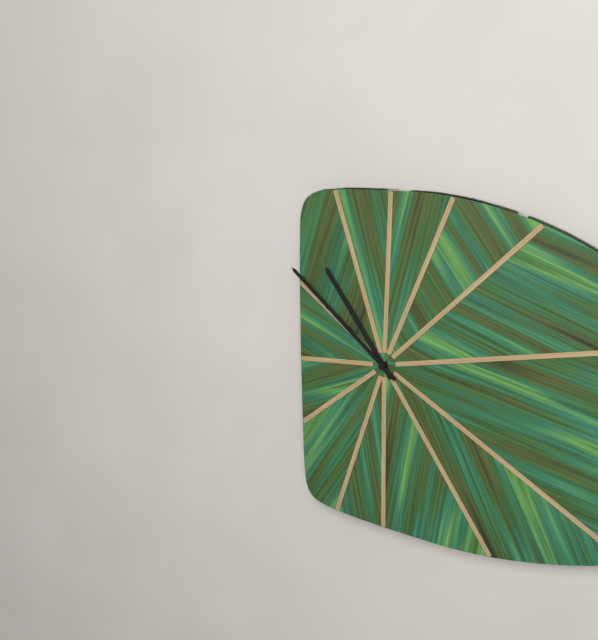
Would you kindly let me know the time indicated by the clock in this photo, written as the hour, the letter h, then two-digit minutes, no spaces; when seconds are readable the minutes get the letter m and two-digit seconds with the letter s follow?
10h52
